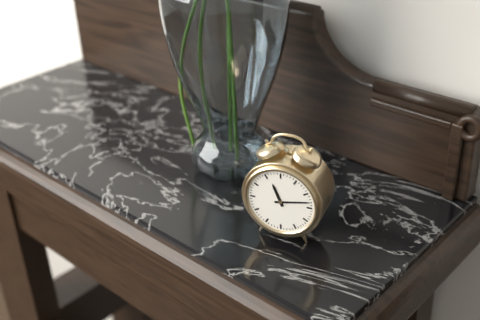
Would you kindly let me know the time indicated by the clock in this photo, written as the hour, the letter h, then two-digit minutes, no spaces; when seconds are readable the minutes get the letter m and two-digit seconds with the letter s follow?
11h13
